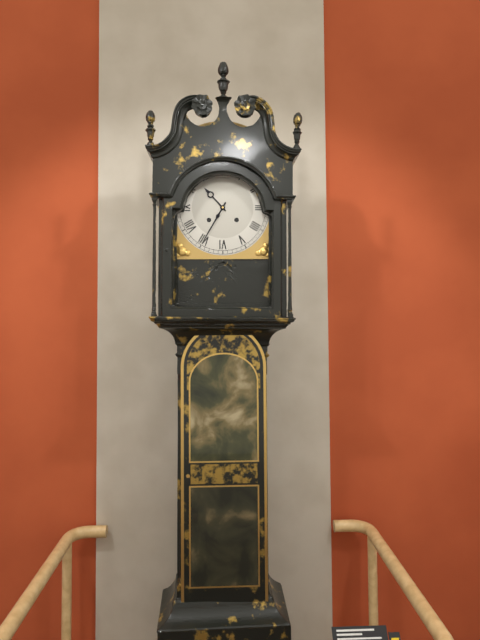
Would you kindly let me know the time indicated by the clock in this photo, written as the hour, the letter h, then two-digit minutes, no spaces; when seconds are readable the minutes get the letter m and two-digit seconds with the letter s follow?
10h35
